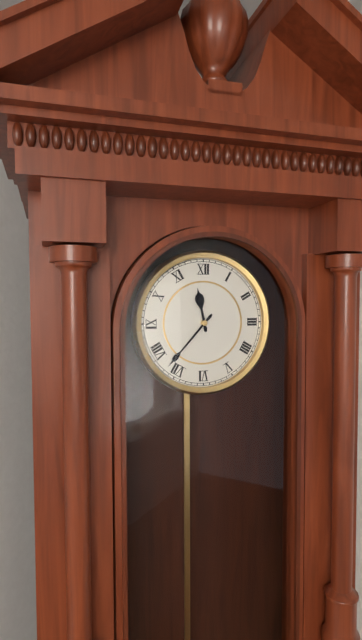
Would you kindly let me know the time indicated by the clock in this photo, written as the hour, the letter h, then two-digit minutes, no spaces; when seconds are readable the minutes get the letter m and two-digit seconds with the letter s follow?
11h37
